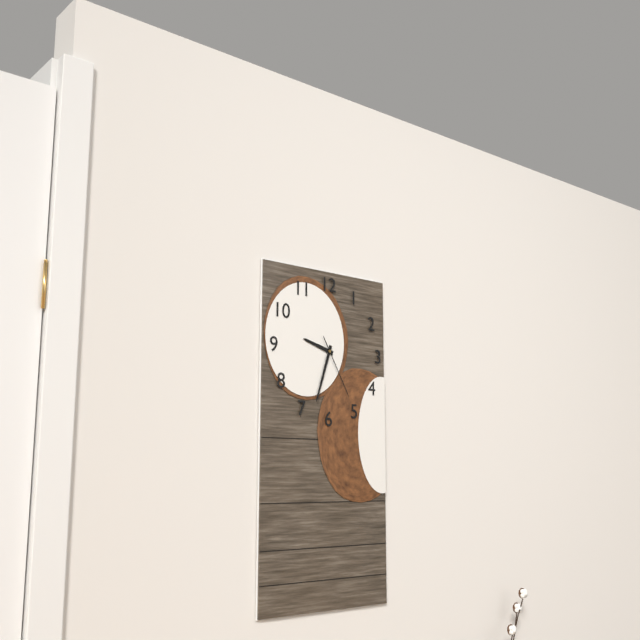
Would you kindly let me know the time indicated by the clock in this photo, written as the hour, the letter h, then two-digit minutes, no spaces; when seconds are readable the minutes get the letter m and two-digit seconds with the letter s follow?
9h33m25s
